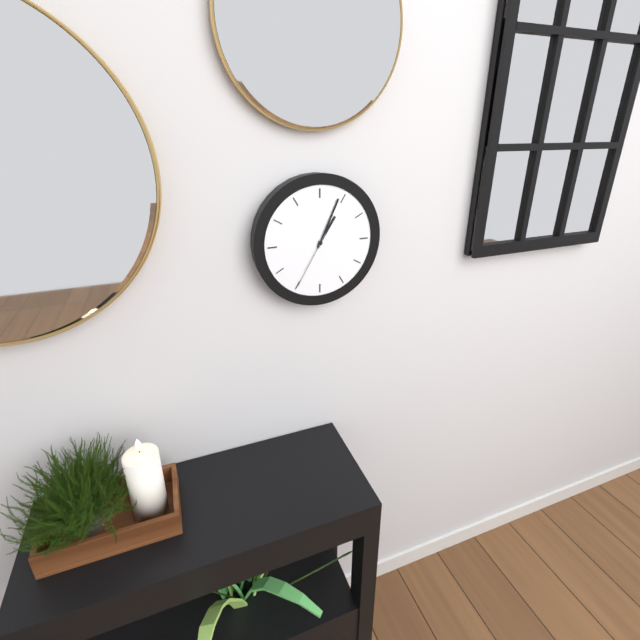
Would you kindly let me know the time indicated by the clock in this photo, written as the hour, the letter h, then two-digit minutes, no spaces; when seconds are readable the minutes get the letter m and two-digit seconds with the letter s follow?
1h04m35s
